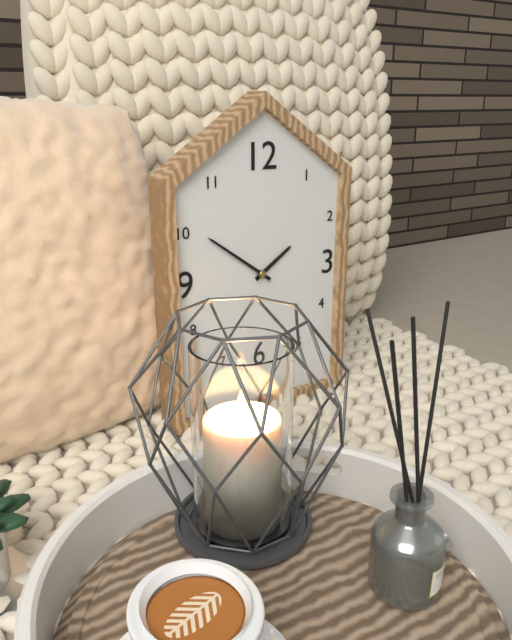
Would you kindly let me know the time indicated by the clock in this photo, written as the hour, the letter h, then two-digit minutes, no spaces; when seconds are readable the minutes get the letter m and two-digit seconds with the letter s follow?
1h51
